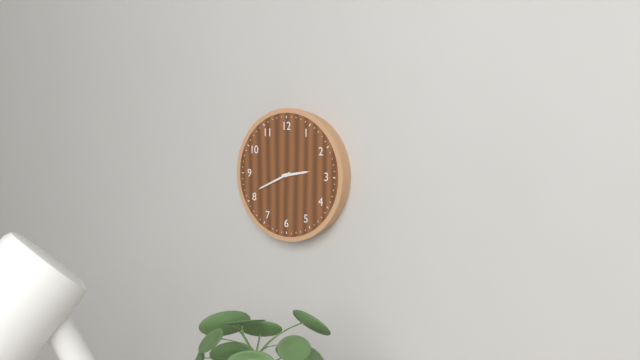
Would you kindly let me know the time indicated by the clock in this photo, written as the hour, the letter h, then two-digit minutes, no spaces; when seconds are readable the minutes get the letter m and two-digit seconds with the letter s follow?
2h41
